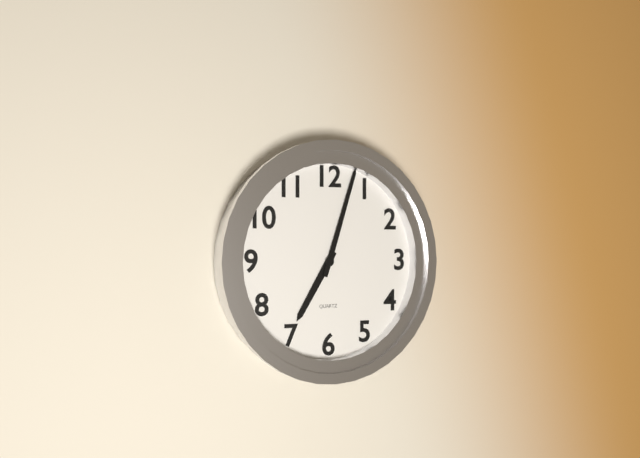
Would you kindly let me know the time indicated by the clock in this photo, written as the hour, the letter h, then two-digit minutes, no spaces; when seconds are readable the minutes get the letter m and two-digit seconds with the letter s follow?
7h03
